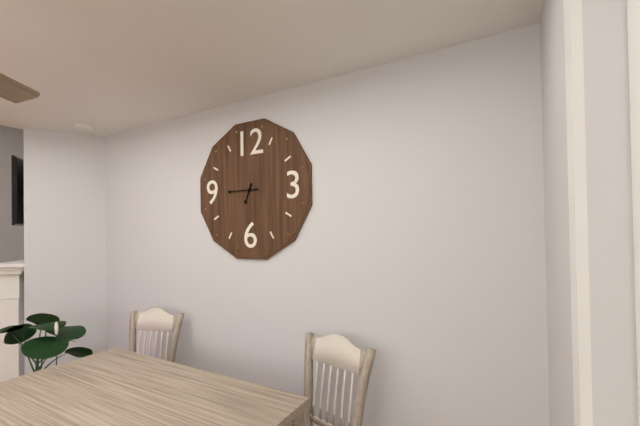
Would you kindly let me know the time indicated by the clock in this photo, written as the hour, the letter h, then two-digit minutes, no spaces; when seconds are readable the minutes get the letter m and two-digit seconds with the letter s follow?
6h45
